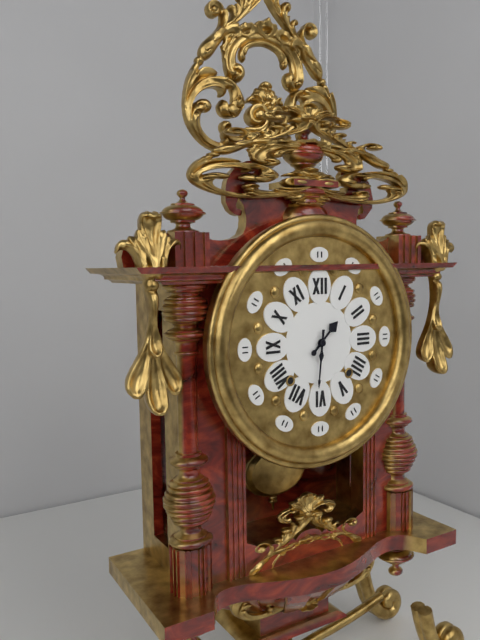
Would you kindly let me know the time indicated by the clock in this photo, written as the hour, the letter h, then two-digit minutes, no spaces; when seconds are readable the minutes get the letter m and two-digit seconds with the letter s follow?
1h31
